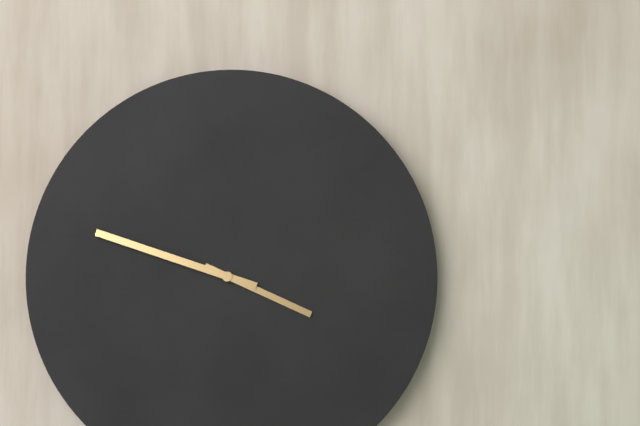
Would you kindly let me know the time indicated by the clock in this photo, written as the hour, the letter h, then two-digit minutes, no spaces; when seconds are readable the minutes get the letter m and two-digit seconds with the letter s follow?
3h48
